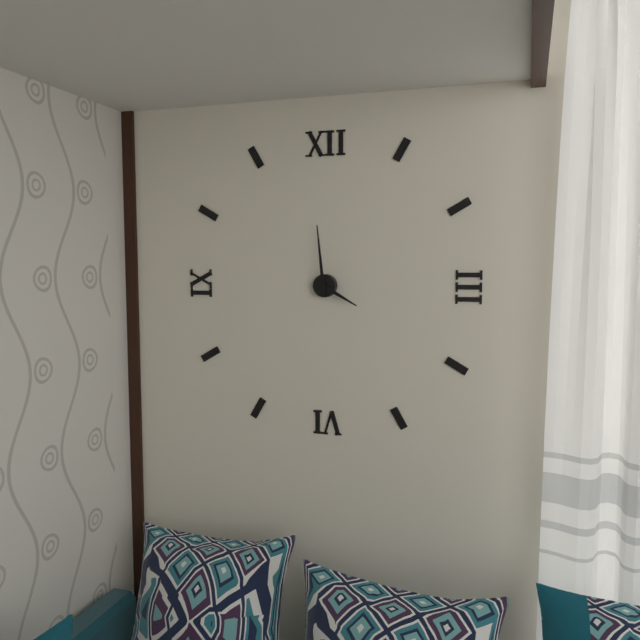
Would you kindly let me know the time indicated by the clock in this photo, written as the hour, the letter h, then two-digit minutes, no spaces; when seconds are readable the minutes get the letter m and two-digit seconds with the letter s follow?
3h59
